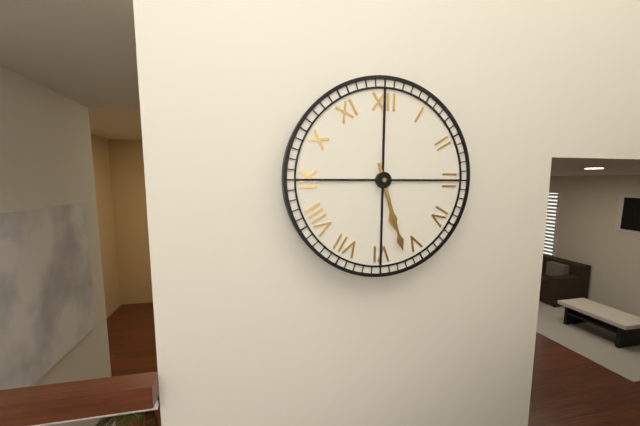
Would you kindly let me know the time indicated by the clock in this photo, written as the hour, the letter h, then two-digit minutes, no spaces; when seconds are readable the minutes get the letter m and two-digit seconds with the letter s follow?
5h27
